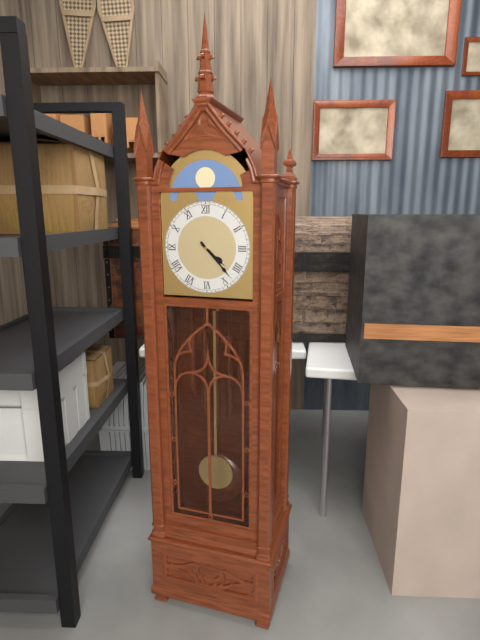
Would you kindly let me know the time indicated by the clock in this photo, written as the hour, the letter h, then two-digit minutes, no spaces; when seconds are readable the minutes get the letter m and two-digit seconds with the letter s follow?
4h23
